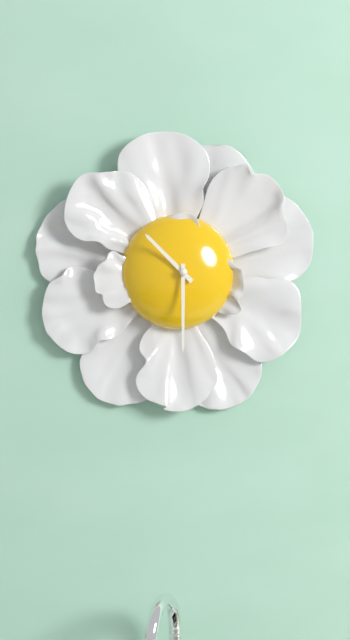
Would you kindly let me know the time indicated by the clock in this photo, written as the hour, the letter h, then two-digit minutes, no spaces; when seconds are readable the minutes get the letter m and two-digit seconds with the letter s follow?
10h30
